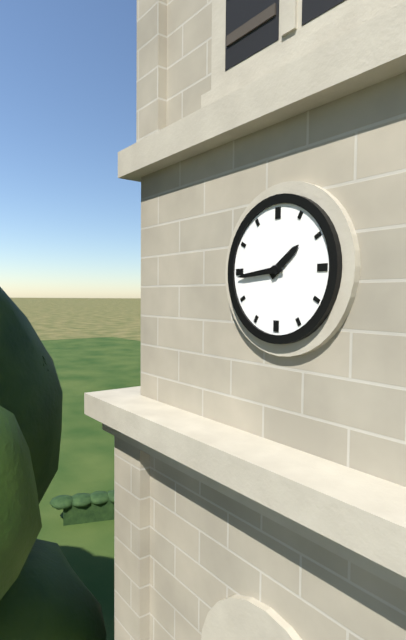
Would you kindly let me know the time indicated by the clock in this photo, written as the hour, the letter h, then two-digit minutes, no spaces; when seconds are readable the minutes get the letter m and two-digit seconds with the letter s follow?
1h44
